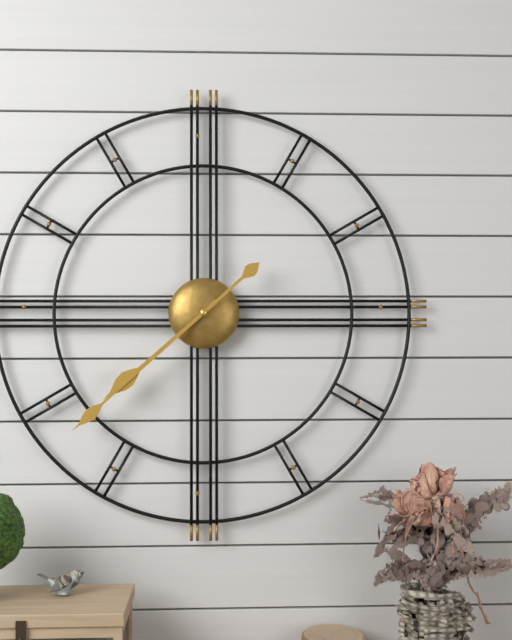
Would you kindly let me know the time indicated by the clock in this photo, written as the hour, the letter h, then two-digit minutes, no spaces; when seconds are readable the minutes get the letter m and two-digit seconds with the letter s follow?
7h38
